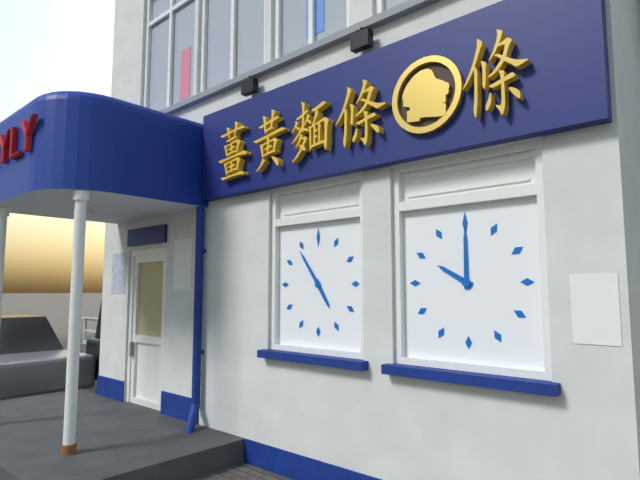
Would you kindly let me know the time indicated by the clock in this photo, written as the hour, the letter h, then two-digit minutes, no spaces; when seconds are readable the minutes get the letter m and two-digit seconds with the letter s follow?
4h54
